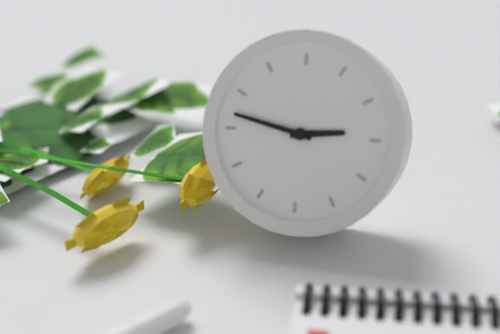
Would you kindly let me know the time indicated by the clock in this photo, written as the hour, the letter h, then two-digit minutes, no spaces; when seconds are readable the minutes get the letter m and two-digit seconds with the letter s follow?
2h47
